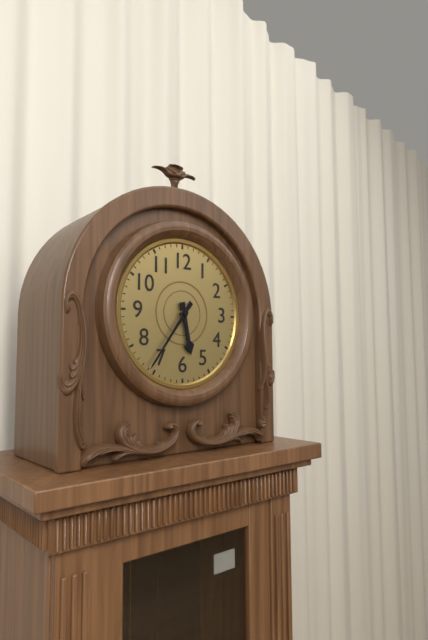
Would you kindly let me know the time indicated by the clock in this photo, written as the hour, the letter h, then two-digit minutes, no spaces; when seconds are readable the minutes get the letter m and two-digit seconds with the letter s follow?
5h36
